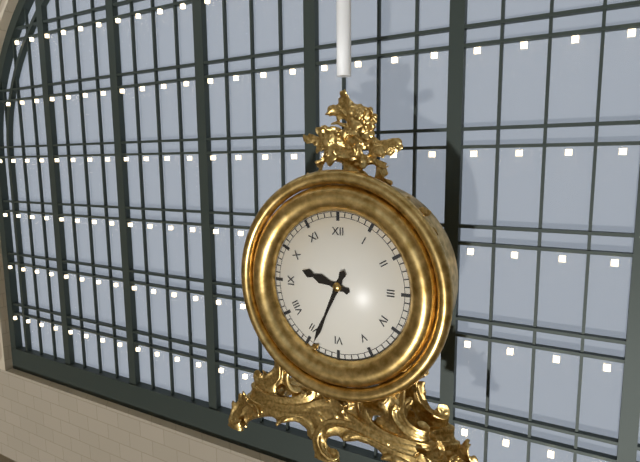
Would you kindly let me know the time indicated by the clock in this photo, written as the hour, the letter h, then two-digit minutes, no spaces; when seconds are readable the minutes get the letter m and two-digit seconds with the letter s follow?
9h34
